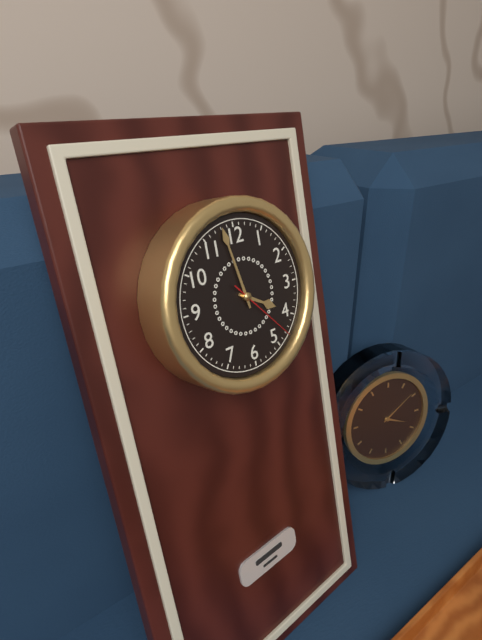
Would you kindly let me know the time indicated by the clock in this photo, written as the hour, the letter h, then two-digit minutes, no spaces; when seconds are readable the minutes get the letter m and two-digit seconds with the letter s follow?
3h58m23s
